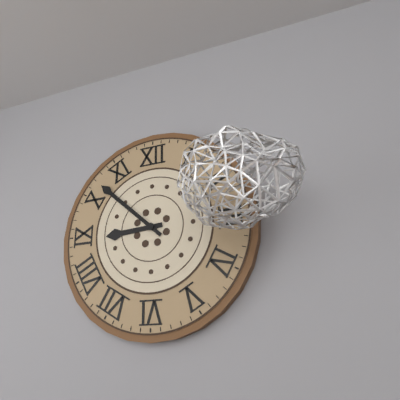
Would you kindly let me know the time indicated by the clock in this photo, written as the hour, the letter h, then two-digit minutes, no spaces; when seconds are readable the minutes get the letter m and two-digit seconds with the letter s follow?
8h52
